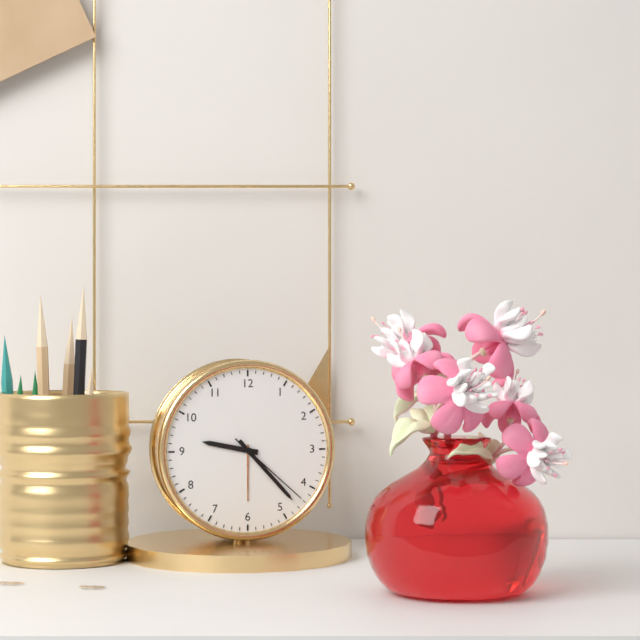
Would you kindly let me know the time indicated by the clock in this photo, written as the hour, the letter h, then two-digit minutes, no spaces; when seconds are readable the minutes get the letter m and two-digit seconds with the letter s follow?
9h23m22s
